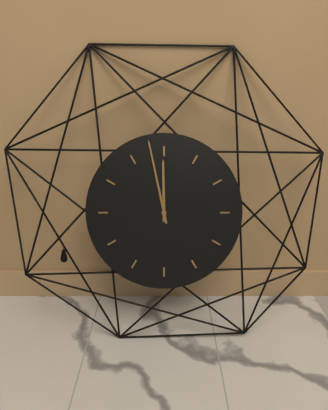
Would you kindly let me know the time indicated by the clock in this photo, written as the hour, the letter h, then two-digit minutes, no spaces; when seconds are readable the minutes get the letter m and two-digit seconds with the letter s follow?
11h58
